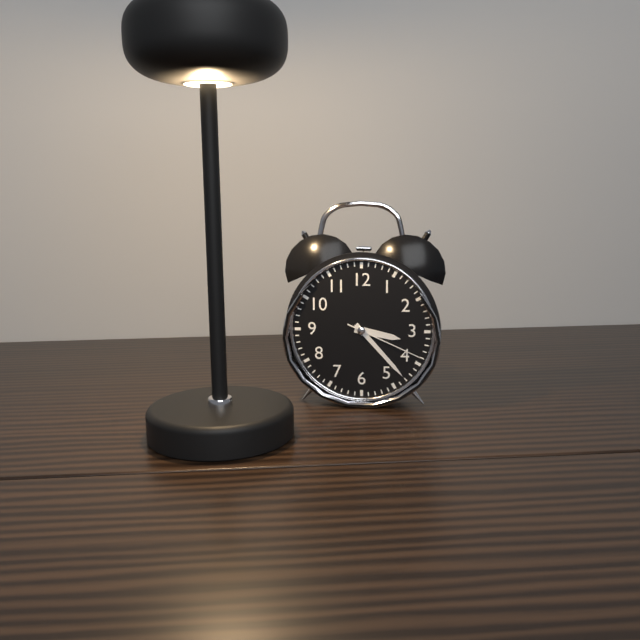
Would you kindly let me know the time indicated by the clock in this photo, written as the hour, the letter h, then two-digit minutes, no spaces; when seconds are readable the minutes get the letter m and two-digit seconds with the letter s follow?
3h23m19s
